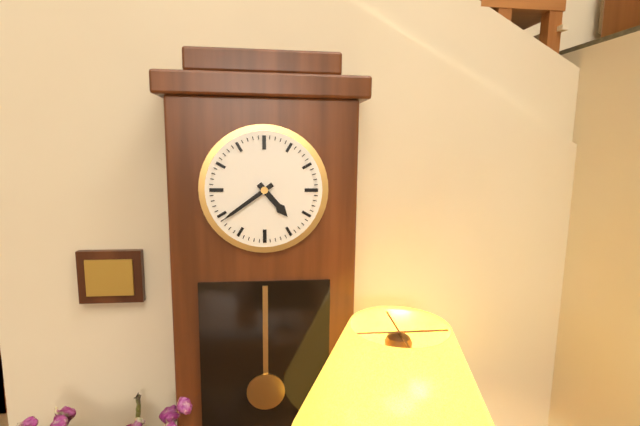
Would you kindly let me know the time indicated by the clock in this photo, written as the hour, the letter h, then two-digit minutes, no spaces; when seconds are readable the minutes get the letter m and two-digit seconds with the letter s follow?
4h39
